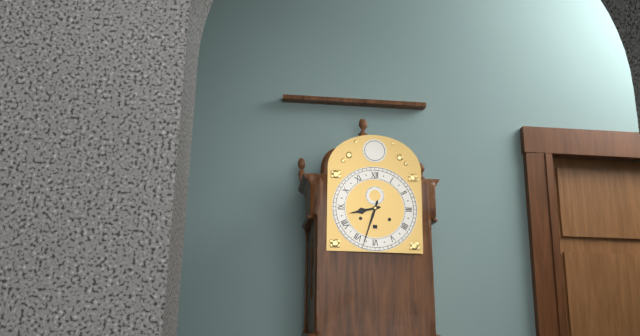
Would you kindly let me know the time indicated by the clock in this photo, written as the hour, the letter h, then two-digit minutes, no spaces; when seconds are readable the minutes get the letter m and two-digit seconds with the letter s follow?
8h33
